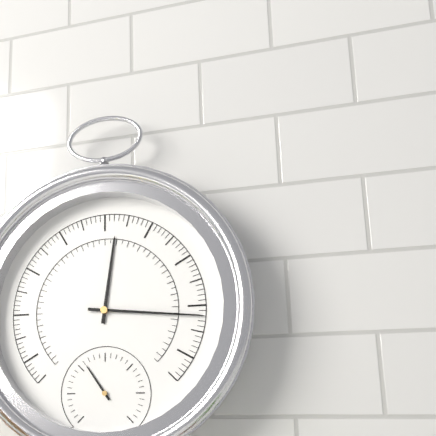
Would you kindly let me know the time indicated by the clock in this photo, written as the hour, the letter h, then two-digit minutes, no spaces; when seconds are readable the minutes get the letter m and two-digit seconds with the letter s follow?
12h16
